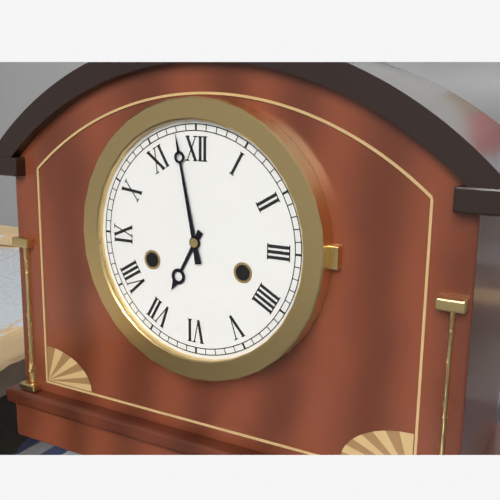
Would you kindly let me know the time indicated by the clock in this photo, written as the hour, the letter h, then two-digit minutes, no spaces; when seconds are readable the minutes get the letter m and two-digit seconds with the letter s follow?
6h58
